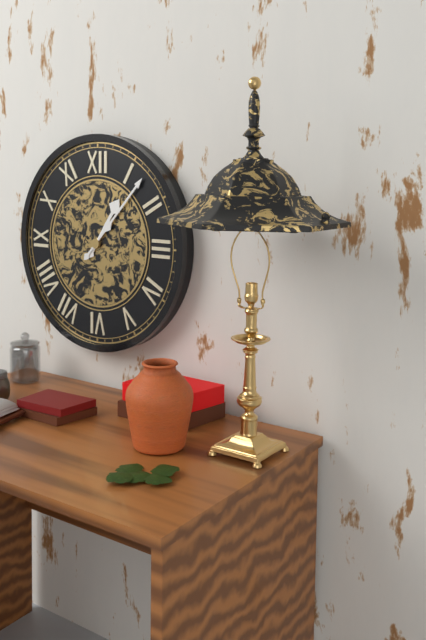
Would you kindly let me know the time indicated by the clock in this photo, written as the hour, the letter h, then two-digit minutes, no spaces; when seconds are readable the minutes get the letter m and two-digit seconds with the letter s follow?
1h07
